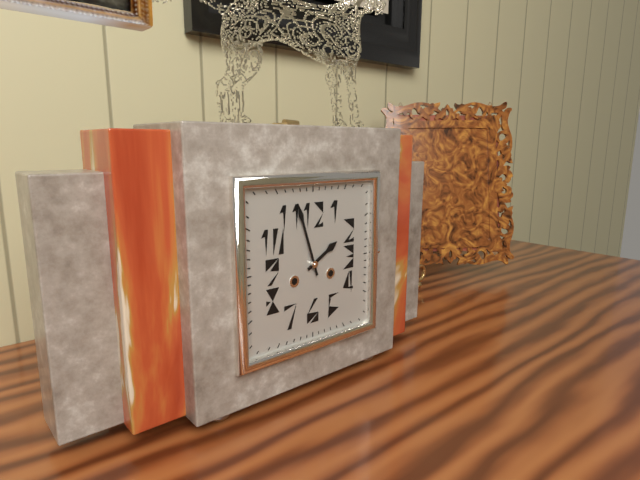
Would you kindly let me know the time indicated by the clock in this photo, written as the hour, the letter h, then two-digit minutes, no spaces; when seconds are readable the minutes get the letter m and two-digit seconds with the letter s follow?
1h57
